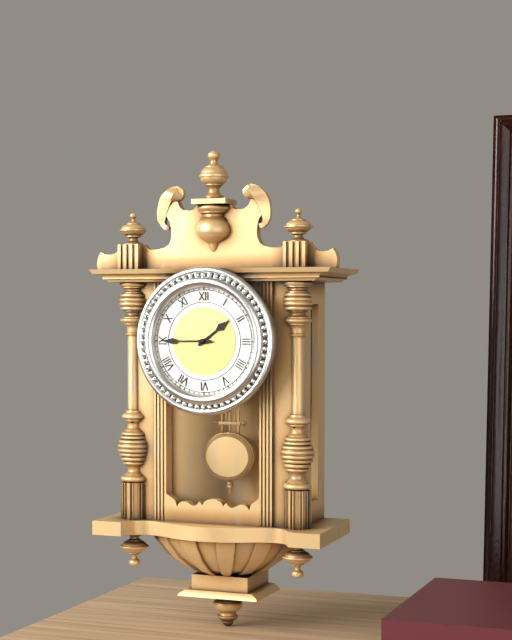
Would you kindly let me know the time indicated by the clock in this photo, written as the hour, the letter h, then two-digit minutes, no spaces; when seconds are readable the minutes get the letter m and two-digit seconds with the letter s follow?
1h45
